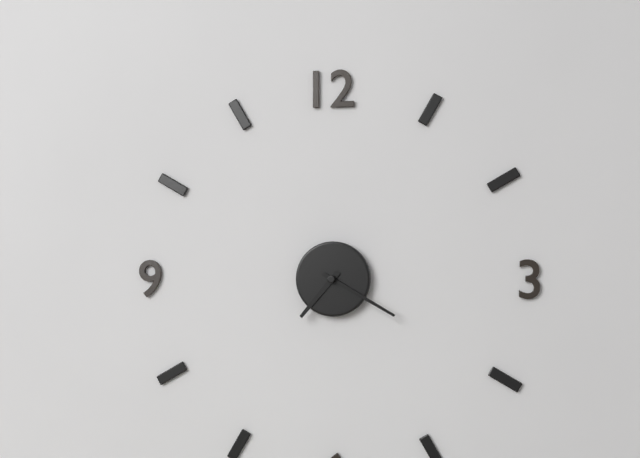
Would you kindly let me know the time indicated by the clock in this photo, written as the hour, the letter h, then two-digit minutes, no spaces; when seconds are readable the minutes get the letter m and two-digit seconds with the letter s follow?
7h20
